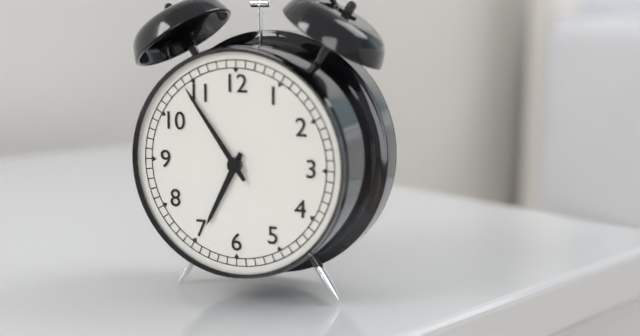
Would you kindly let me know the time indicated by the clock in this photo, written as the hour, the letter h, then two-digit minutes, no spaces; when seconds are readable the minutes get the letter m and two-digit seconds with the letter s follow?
6h54
